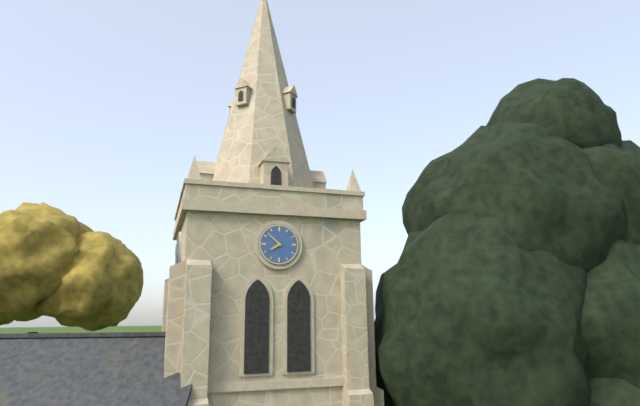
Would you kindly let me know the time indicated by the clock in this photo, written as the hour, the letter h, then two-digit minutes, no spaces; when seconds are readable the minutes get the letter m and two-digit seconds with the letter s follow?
7h52
